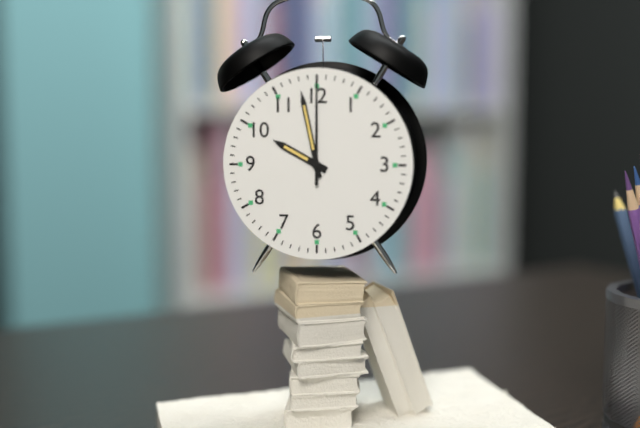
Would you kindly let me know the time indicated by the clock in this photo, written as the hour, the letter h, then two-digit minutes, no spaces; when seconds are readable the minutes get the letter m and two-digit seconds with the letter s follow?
9h58m00s
